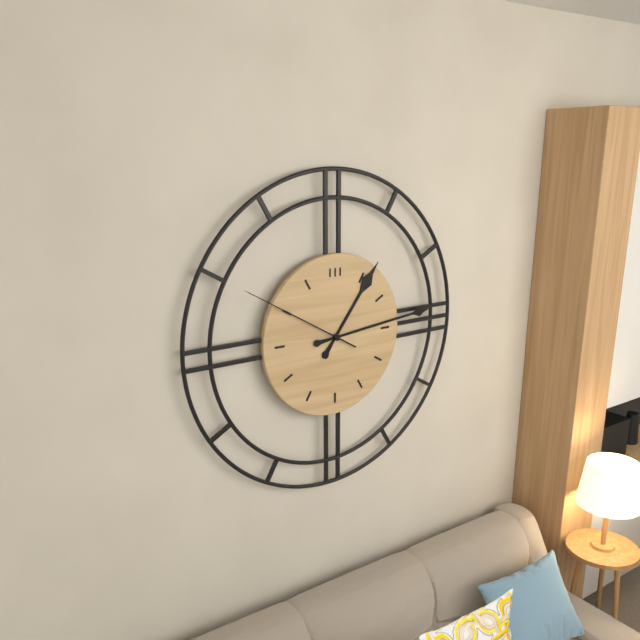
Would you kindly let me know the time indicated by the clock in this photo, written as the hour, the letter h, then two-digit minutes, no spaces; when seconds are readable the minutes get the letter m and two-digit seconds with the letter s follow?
1h14m50s
